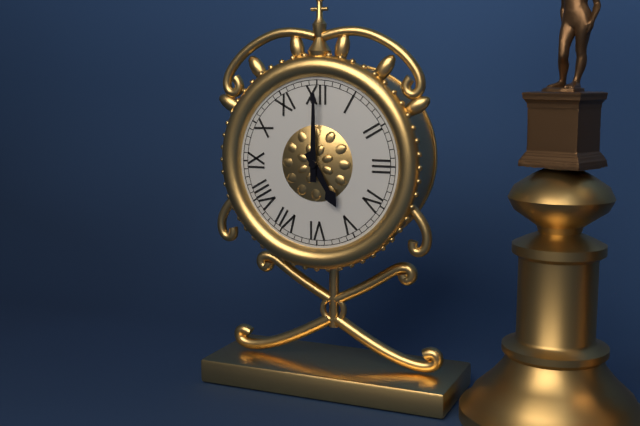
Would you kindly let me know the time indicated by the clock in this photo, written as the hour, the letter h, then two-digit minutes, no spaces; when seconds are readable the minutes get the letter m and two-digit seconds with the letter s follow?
5h00
